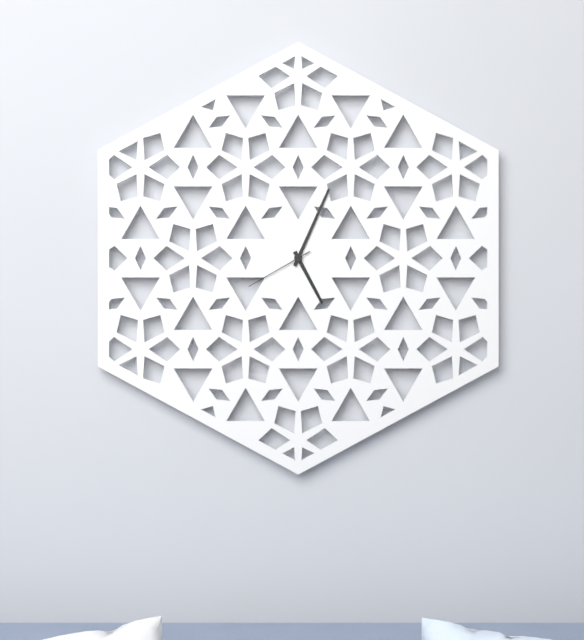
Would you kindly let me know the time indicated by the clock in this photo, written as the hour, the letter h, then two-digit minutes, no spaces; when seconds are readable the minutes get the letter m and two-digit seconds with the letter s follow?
5h04m40s
